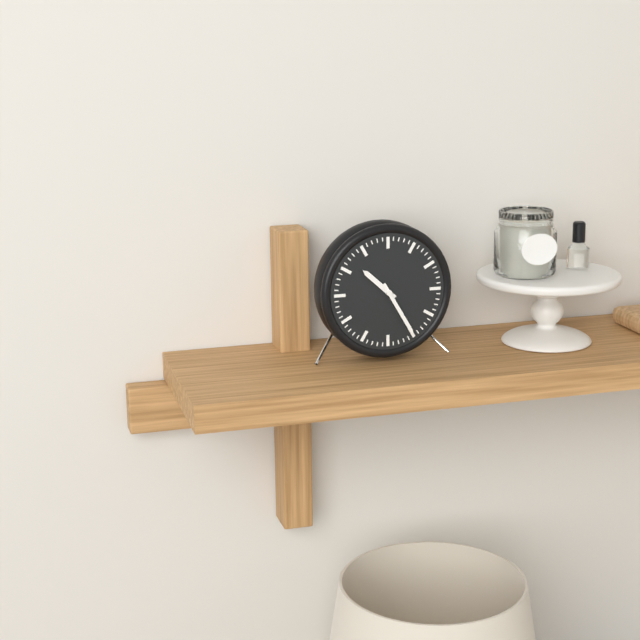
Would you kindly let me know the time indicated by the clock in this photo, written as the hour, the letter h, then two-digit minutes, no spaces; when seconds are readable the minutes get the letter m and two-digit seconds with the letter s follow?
10h25
